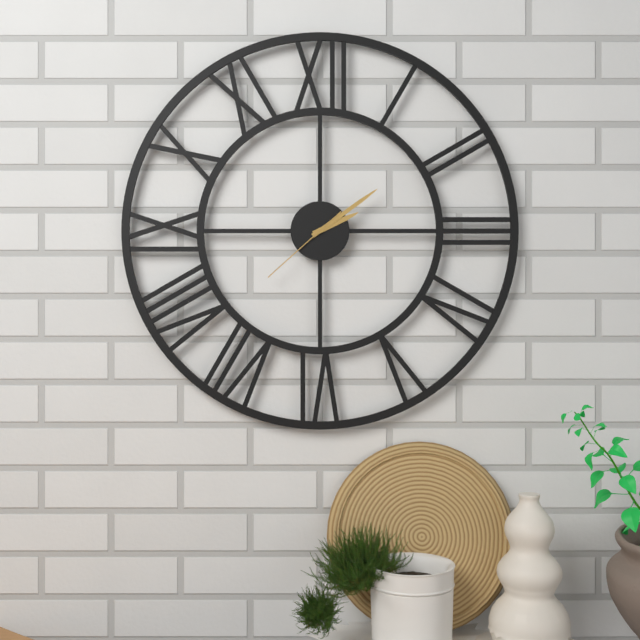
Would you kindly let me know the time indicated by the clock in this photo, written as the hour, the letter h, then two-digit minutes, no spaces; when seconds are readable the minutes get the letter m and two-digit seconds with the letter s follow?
2h09m38s
